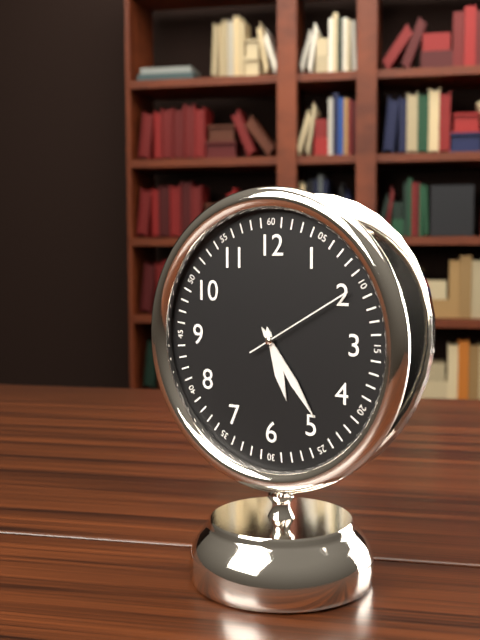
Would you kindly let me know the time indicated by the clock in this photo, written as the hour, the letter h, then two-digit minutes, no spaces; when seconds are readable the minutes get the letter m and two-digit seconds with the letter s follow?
5h24m10s
